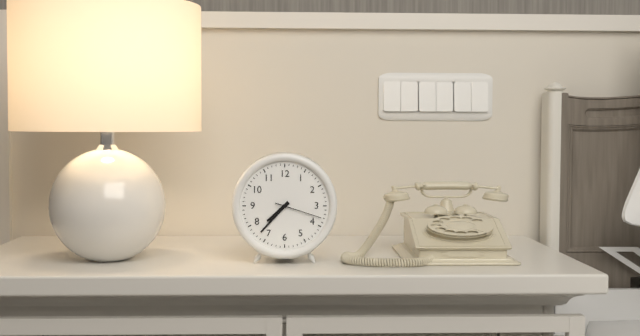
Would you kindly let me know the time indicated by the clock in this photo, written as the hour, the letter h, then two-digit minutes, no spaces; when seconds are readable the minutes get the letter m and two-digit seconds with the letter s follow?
7h37
